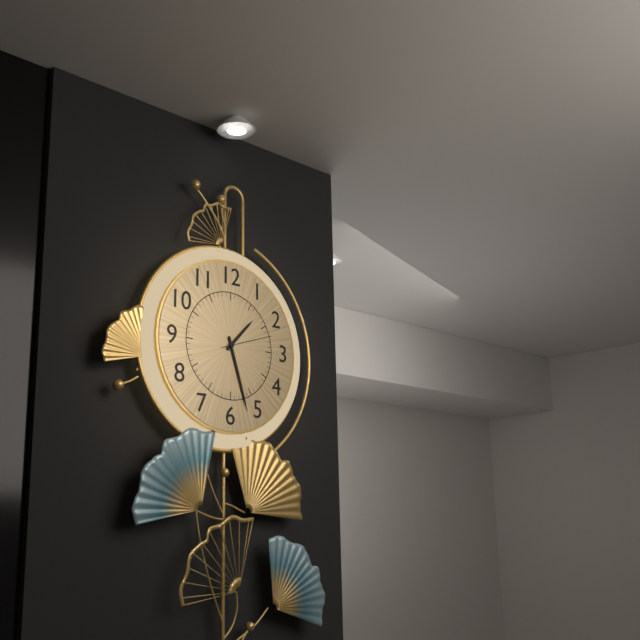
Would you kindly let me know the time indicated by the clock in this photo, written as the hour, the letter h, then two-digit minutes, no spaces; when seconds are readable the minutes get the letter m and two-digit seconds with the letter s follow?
1h27m12s
